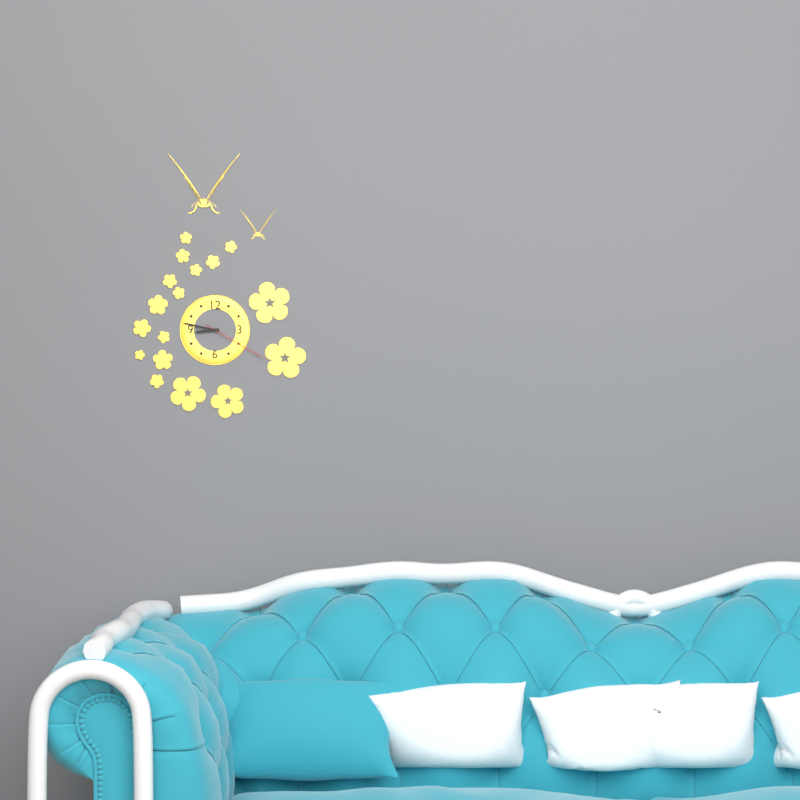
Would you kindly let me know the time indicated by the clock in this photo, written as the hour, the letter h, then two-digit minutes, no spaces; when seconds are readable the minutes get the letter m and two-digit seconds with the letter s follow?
8h47m20s
